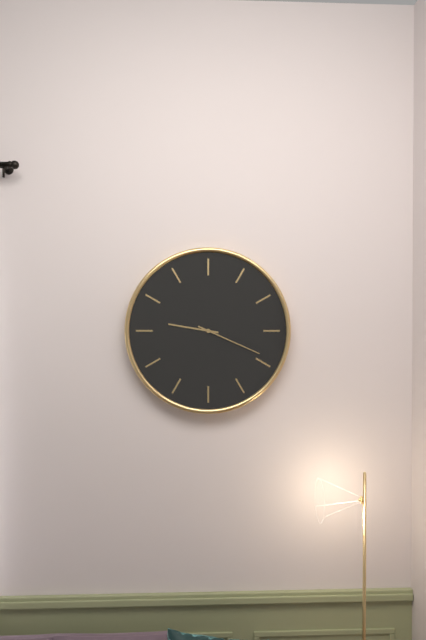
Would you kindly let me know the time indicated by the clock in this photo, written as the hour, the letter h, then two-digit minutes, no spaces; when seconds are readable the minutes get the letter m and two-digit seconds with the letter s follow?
9h19
